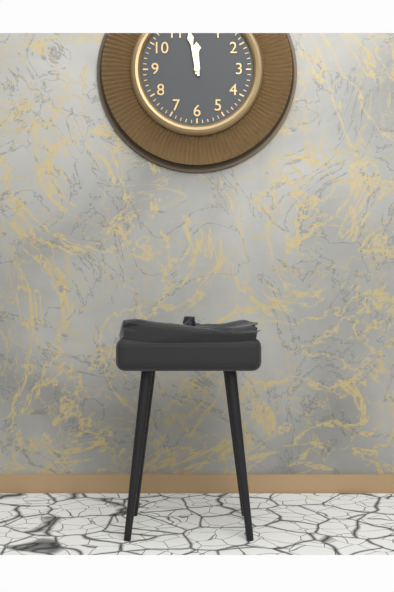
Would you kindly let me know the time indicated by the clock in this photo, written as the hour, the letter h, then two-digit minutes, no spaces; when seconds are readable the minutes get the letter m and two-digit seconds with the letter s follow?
11h58
